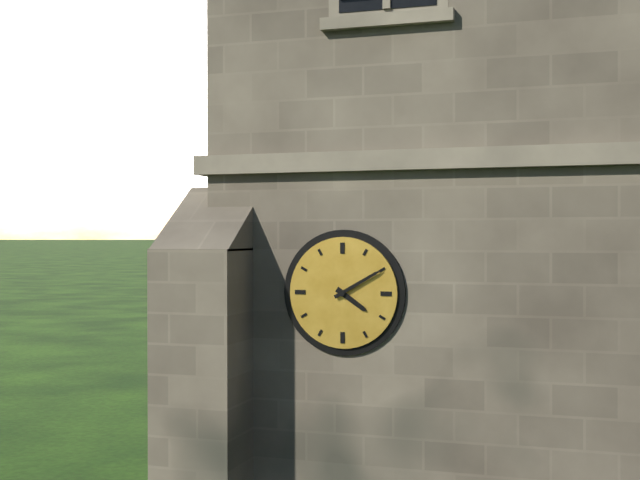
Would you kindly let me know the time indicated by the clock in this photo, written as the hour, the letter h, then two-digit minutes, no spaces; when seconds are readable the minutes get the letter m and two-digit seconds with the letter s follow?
4h10
